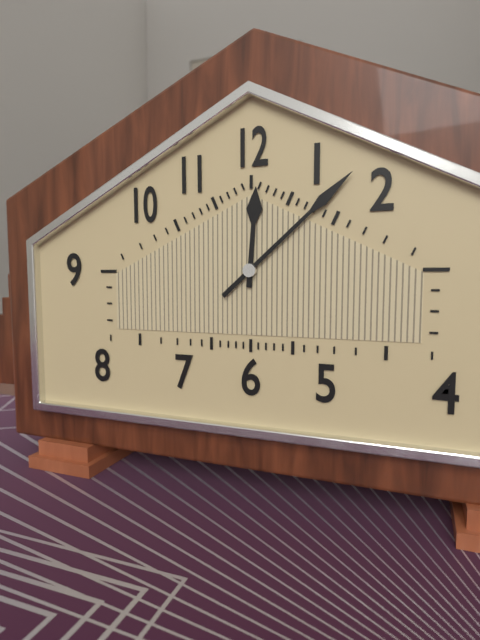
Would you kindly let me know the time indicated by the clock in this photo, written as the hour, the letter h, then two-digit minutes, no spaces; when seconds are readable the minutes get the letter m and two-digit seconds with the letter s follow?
12h08
